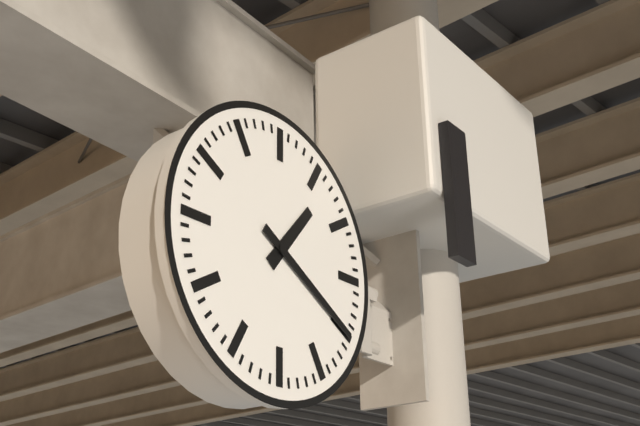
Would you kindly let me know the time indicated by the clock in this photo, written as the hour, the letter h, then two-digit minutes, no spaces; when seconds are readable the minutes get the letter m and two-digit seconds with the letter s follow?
1h20
